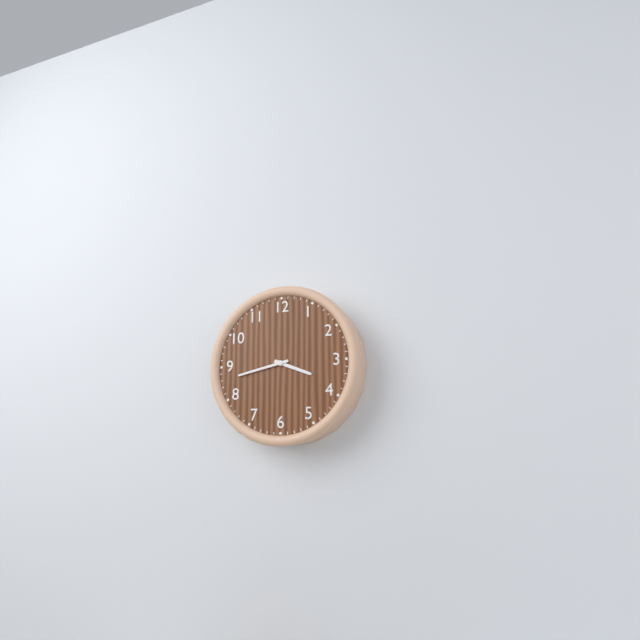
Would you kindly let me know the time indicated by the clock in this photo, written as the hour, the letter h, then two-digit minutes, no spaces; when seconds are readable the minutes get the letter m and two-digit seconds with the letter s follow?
3h43
